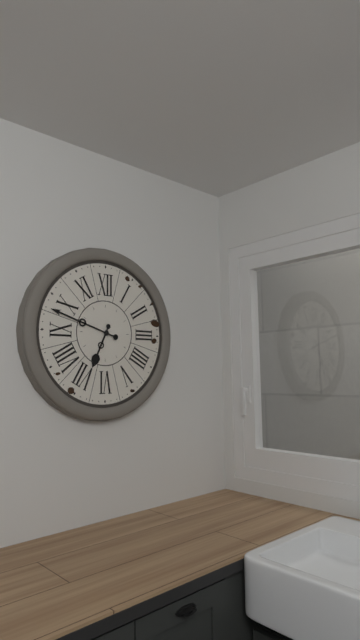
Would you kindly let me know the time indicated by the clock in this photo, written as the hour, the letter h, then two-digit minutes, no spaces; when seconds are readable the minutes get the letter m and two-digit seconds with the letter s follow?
6h48
